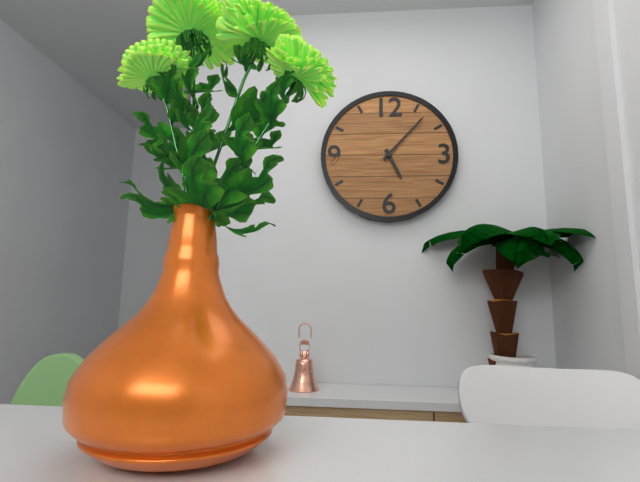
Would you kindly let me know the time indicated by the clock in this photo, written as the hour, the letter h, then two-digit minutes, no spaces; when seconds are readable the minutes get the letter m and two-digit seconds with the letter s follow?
5h07
